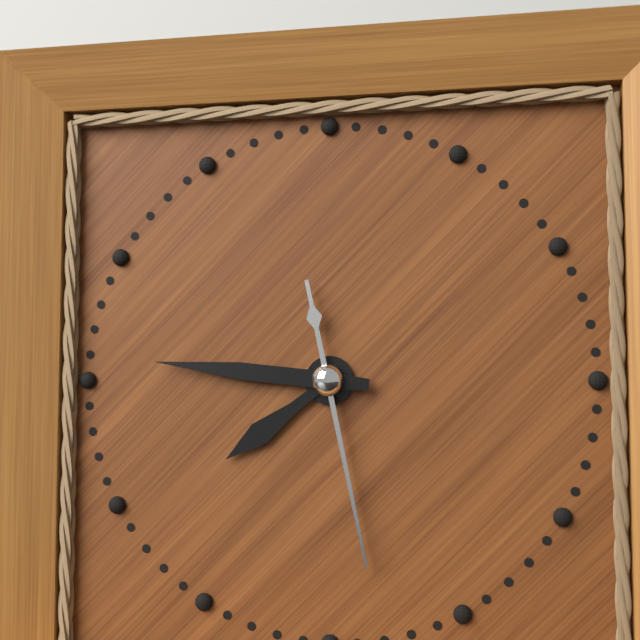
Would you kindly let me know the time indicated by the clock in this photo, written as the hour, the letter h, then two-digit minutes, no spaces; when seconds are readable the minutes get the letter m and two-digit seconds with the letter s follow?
7h46m28s
